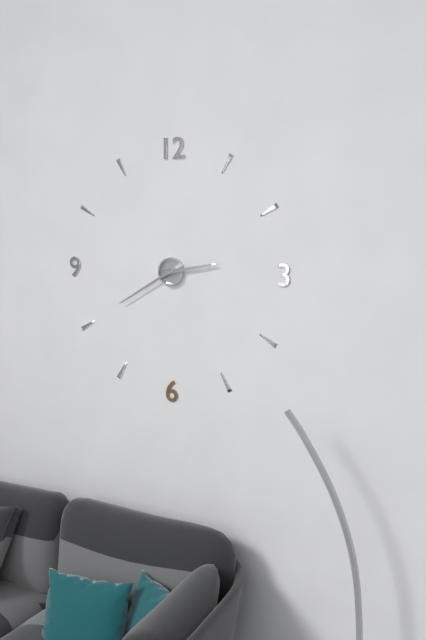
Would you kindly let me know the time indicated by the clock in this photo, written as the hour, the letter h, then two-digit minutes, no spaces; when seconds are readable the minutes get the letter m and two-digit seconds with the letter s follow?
2h40
